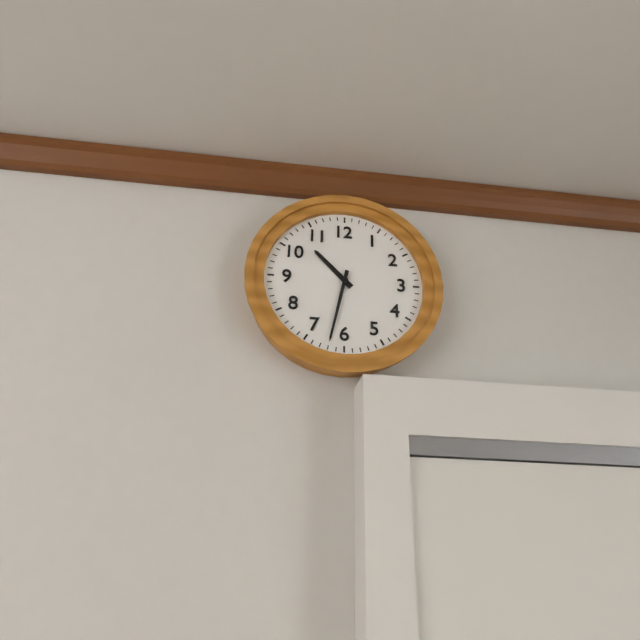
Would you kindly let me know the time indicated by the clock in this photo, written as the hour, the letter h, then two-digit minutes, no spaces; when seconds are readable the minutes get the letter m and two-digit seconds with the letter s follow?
10h32
